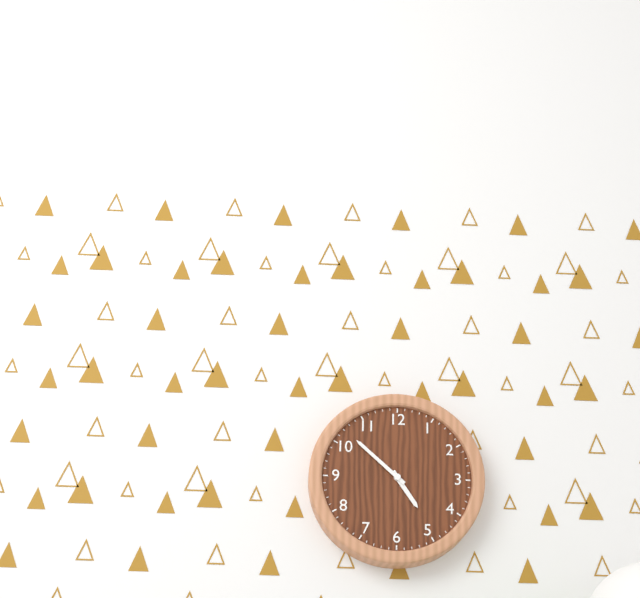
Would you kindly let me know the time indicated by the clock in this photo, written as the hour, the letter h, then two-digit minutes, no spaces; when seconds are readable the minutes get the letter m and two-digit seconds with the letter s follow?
4h52
